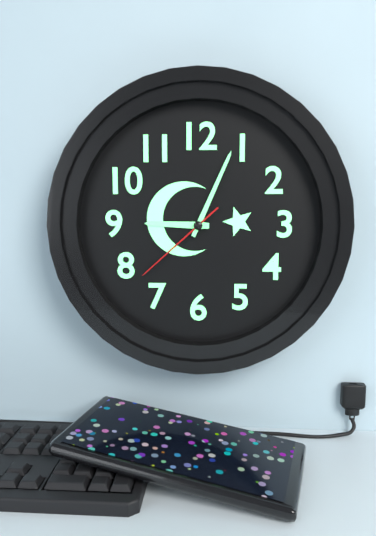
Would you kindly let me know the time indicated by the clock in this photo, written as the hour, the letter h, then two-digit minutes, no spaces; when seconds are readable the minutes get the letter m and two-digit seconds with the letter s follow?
9h04m38s
